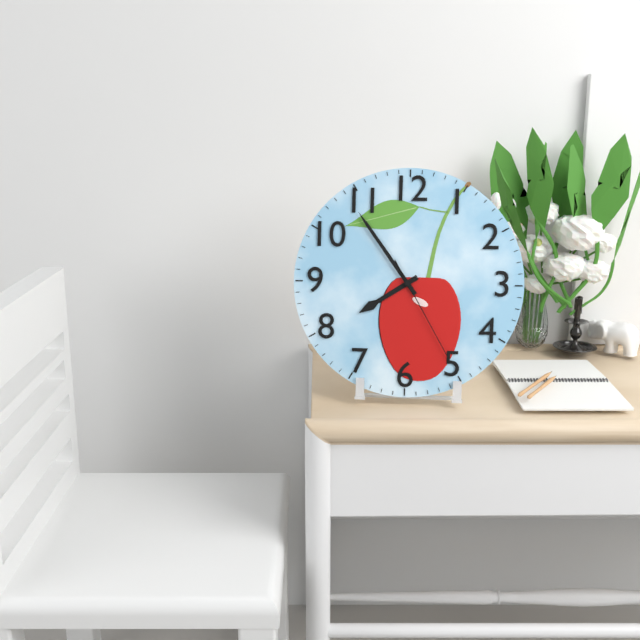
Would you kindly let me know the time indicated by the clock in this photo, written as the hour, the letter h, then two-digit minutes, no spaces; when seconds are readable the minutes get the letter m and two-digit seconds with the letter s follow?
7h54m25s
